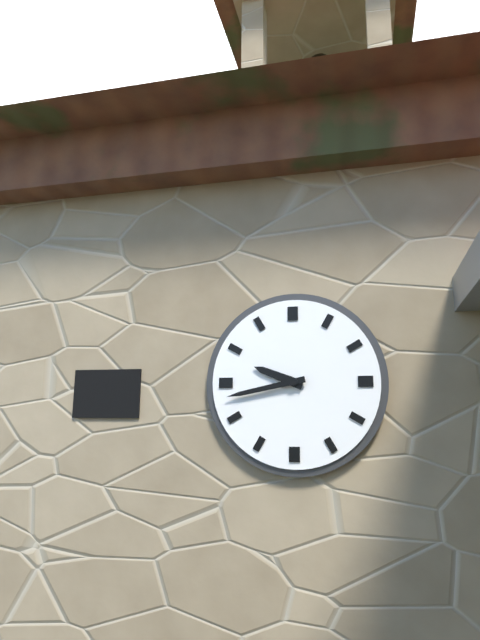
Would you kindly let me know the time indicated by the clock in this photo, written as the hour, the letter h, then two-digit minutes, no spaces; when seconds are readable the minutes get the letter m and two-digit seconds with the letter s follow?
9h43
